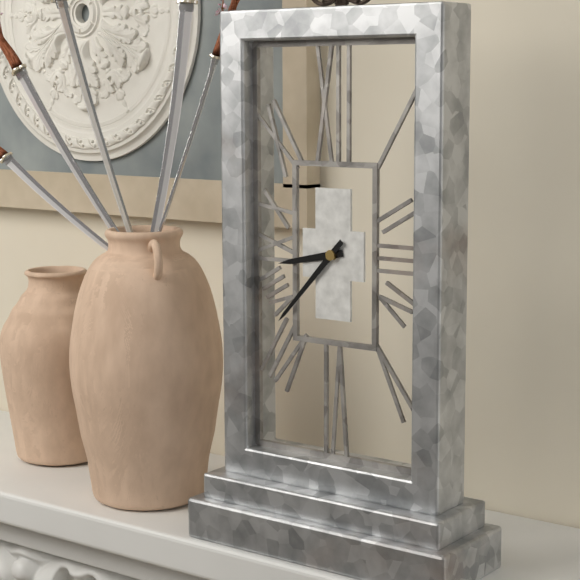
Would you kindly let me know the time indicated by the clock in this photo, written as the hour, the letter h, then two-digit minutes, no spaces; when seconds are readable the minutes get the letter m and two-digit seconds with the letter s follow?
8h37
